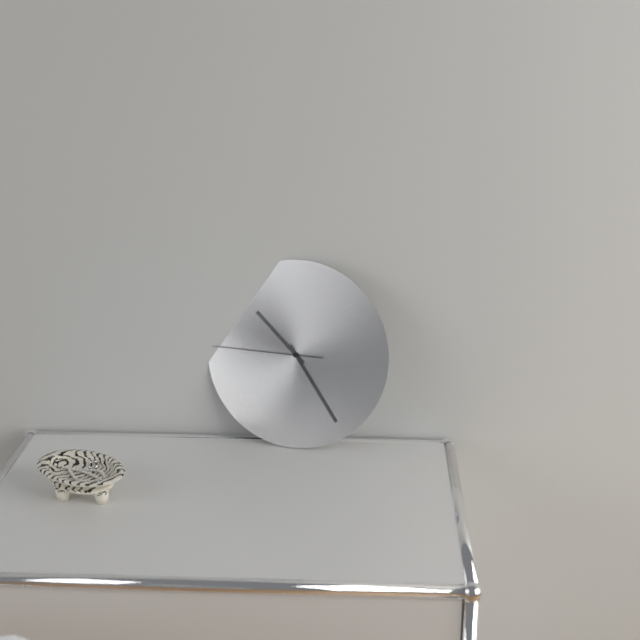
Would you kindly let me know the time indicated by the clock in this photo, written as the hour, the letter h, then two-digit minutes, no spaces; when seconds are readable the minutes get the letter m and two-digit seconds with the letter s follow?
10h24m45s
